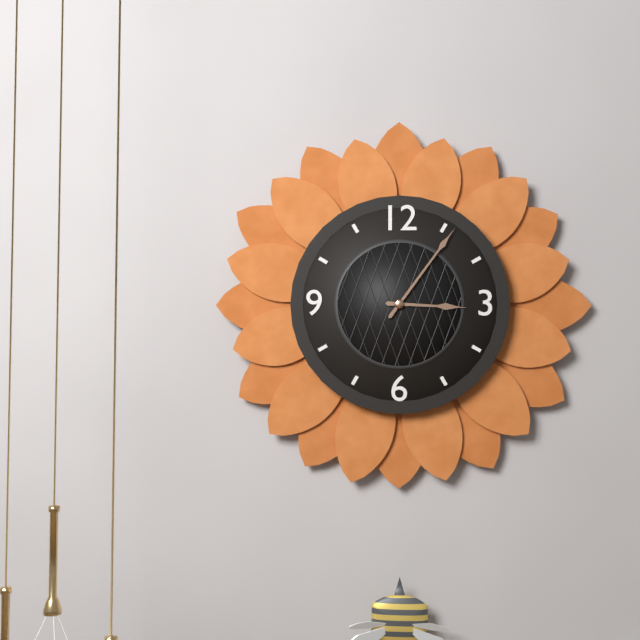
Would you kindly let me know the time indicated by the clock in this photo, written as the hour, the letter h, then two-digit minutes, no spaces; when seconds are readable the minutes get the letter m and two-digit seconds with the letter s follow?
3h06
